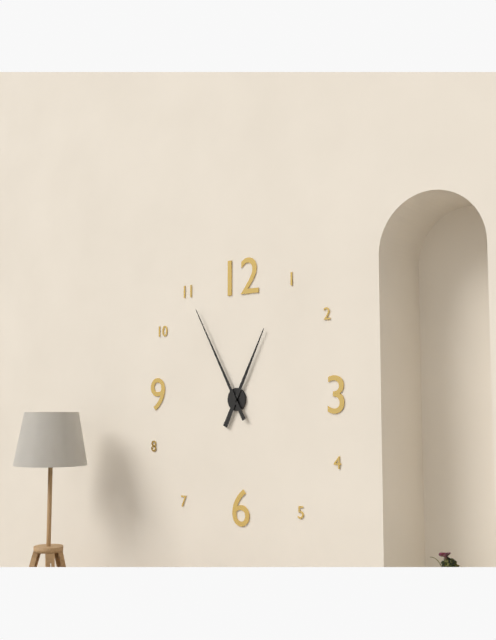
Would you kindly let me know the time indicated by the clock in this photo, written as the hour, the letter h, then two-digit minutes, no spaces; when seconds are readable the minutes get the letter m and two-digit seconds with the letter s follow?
12h55
